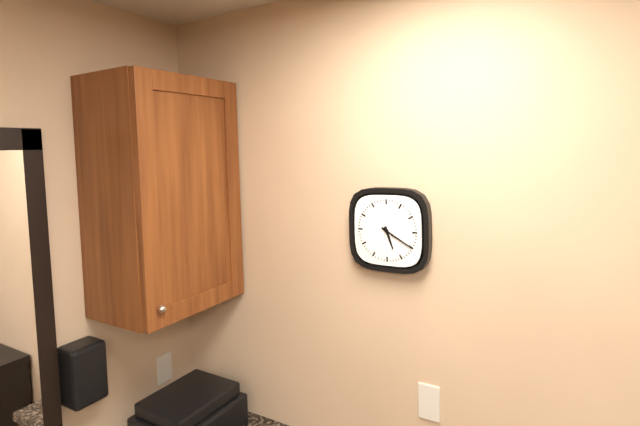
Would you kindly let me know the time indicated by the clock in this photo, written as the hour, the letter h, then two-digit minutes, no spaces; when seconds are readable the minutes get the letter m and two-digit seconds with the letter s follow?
5h20
